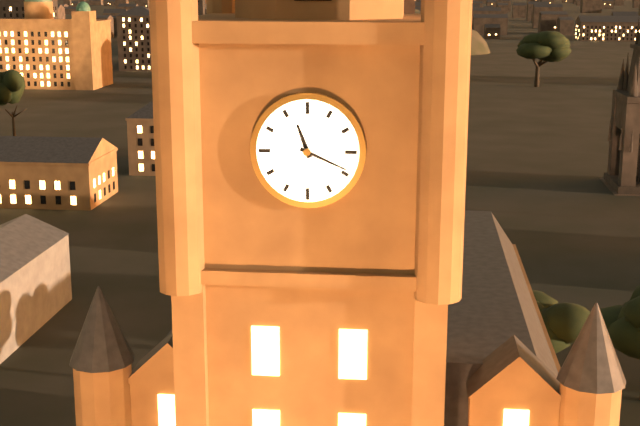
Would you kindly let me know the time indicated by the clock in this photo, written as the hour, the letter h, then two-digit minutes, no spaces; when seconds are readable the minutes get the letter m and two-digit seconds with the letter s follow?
11h19
